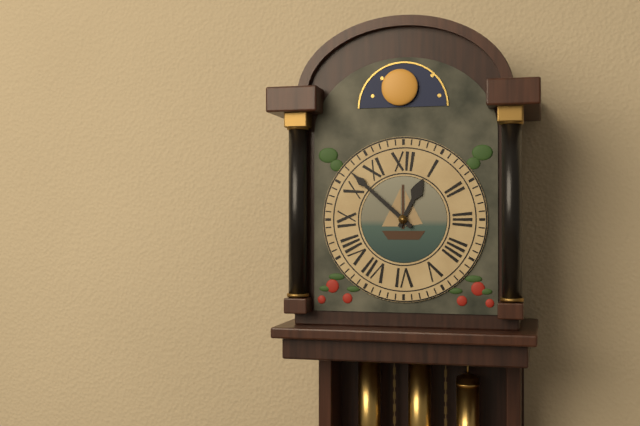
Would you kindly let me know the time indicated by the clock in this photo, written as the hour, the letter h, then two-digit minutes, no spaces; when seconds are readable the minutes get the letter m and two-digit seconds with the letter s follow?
12h52
